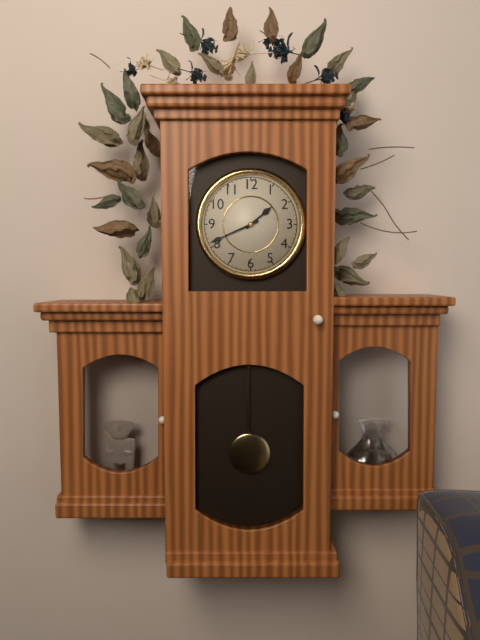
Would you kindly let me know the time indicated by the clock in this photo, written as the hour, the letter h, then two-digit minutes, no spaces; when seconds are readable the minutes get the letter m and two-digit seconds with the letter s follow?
1h41
